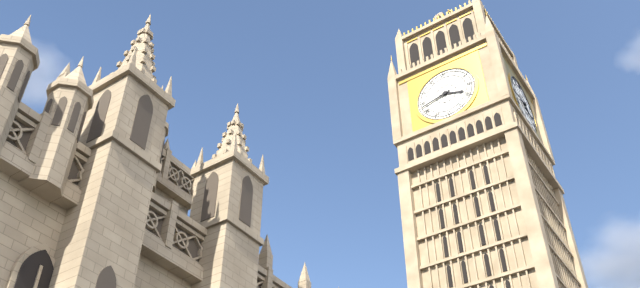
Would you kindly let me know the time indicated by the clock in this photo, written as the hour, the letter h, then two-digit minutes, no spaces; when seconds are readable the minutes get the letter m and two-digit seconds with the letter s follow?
3h43
